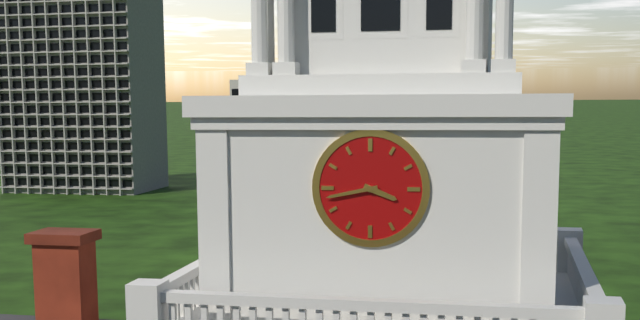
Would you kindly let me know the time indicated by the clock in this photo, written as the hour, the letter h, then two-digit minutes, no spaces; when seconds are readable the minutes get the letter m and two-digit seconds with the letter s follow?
3h43
